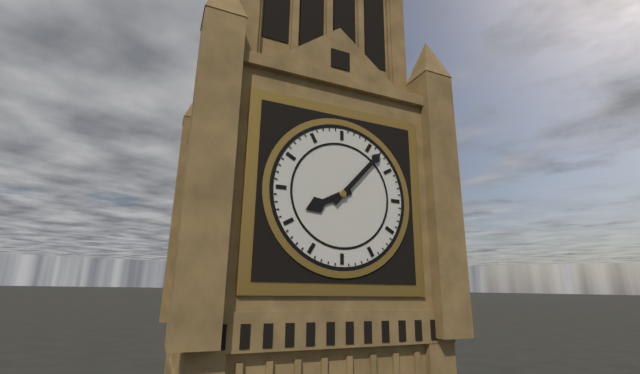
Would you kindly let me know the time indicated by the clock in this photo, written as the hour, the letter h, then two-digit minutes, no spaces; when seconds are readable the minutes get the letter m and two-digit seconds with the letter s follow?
8h07
